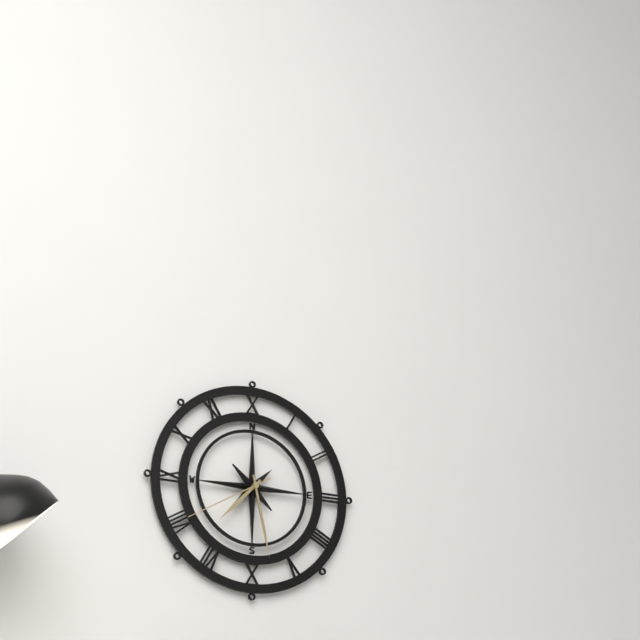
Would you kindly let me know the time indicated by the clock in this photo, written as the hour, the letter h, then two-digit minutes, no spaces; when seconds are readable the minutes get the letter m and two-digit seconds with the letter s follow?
7h28m40s
